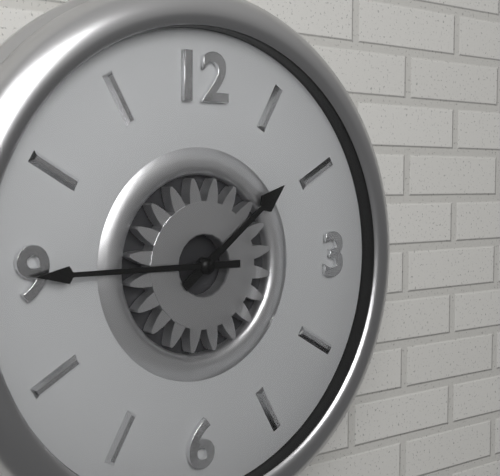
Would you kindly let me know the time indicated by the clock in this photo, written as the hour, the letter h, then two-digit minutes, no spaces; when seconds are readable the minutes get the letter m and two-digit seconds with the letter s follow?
1h45
